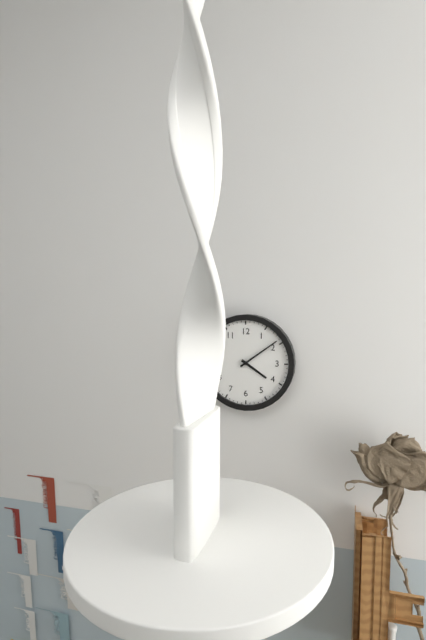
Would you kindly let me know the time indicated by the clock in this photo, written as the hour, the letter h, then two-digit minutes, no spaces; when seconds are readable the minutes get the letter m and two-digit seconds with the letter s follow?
4h09
